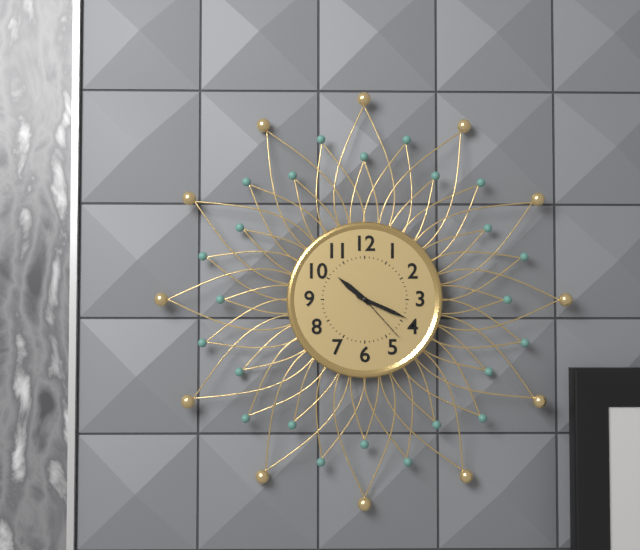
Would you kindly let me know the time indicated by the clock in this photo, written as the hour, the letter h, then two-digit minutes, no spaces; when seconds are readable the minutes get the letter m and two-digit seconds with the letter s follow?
10h19m23s
